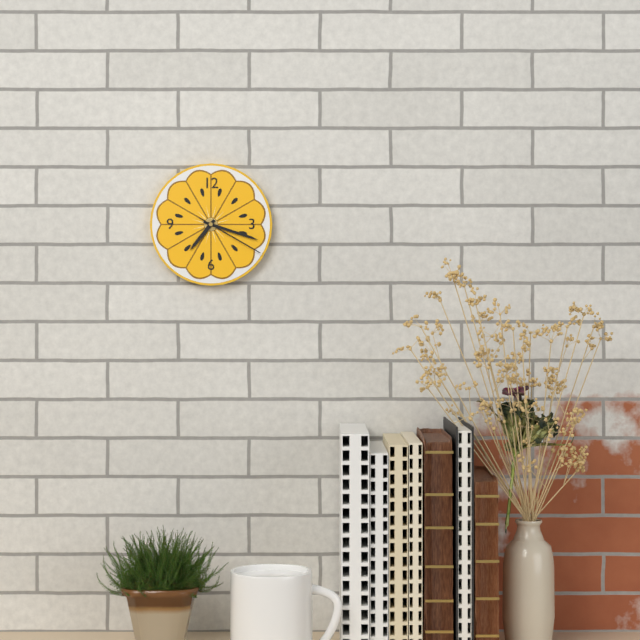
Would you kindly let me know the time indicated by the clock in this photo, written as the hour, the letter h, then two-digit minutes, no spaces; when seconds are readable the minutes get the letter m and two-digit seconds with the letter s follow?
7h18m20s
